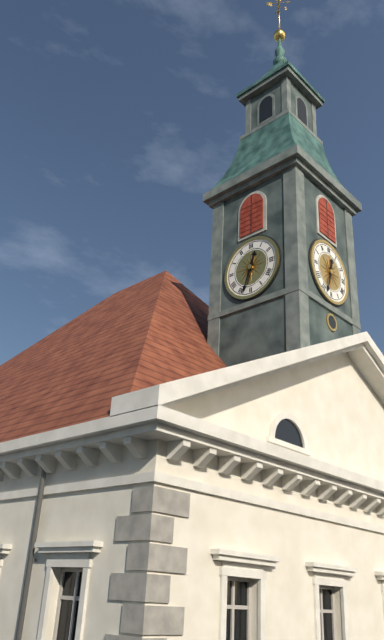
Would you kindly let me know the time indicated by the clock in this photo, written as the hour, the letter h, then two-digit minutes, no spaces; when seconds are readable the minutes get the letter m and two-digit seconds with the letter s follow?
12h33
